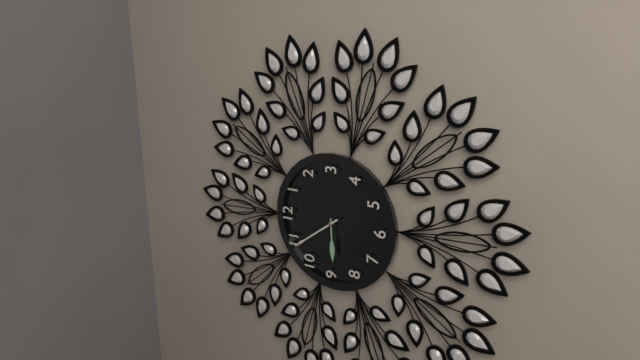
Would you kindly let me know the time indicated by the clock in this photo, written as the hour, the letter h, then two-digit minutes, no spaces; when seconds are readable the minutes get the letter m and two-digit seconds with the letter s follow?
8h54
